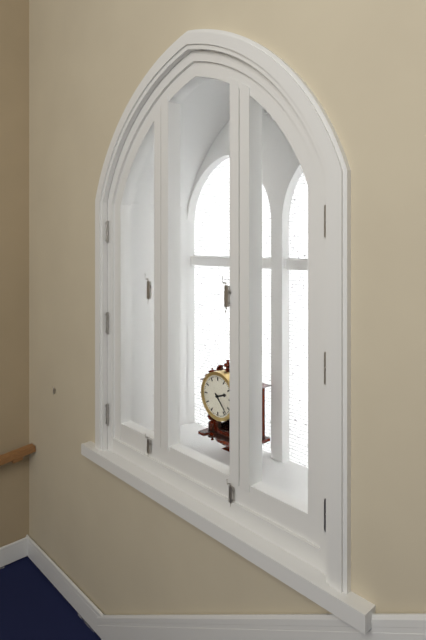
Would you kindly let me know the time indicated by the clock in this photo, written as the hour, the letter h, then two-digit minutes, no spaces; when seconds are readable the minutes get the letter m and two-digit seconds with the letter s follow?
2h23
